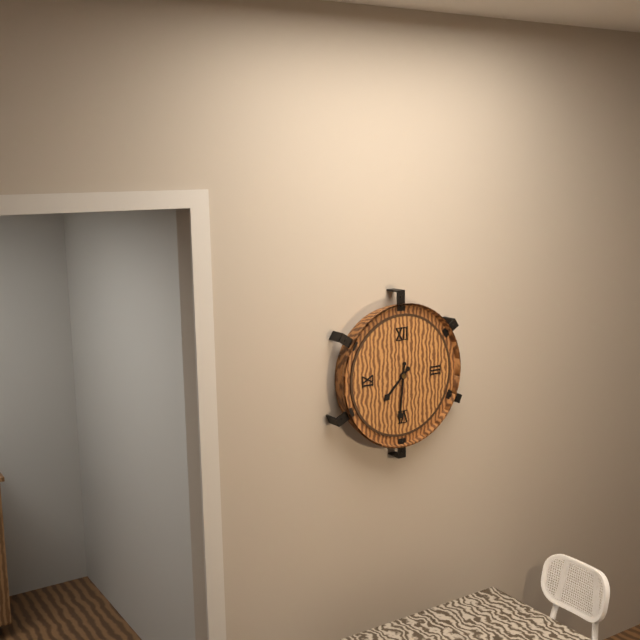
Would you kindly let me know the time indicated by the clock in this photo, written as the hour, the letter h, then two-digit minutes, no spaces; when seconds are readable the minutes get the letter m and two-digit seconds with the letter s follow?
7h31
